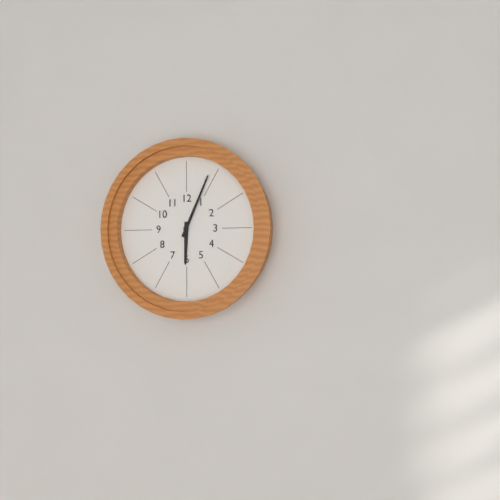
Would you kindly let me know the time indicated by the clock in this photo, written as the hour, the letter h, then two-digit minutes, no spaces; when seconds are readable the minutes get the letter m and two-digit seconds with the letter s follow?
6h04
